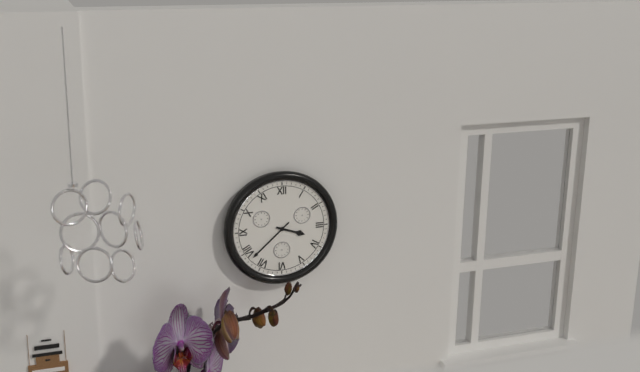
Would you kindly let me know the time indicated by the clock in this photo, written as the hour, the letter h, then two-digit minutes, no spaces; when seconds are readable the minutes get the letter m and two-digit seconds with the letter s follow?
3h38
